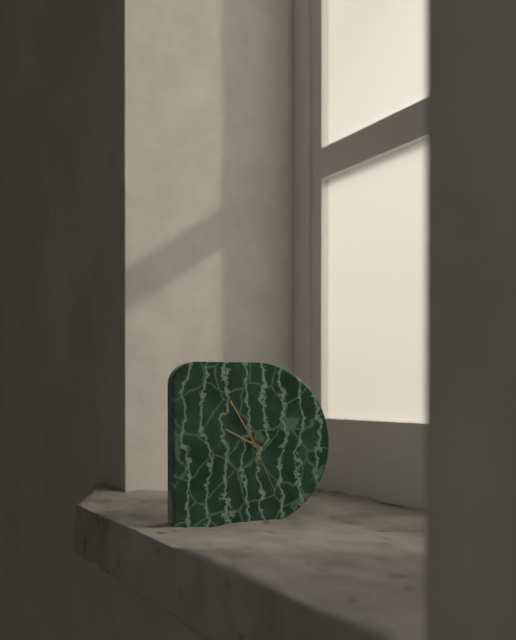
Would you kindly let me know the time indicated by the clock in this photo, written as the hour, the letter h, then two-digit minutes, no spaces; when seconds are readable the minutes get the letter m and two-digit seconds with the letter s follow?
9h55m26s
